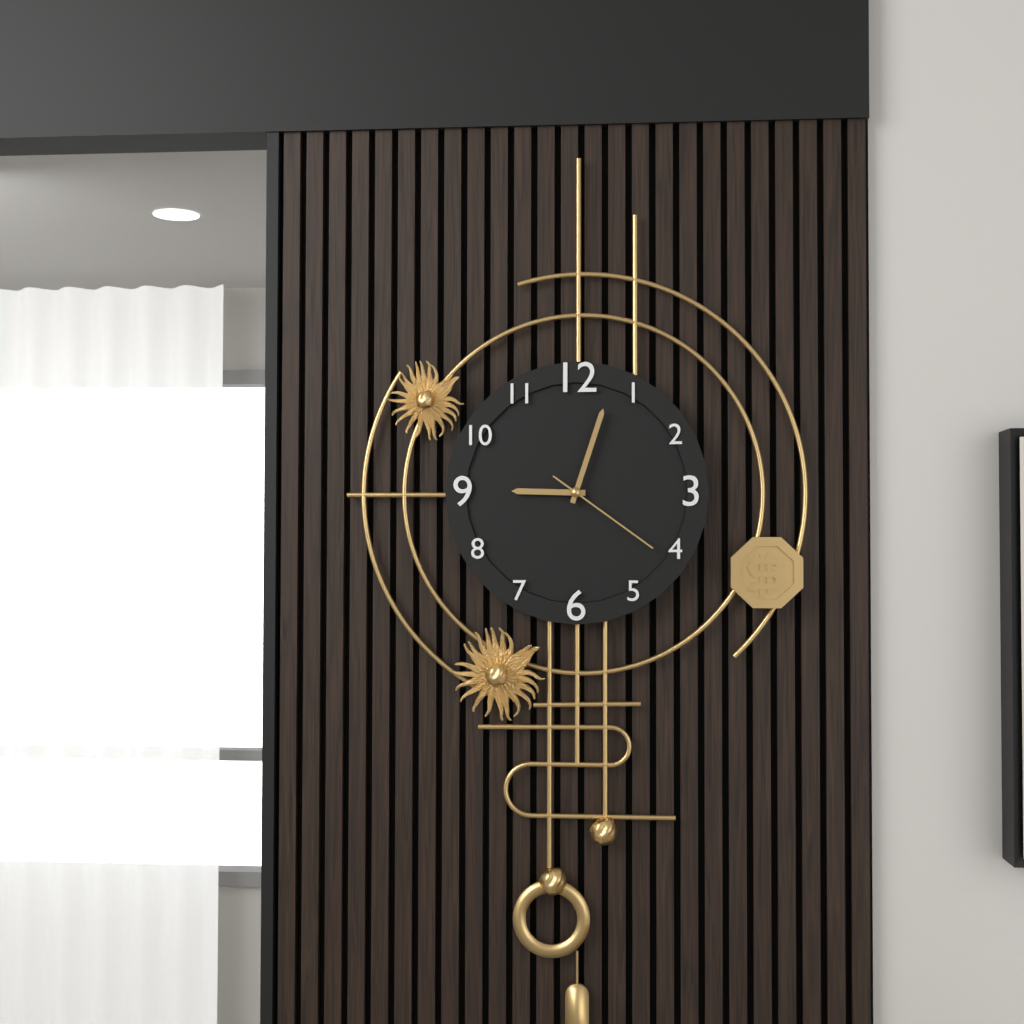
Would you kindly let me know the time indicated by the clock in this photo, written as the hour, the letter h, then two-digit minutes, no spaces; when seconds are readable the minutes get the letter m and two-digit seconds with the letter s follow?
9h03m21s
